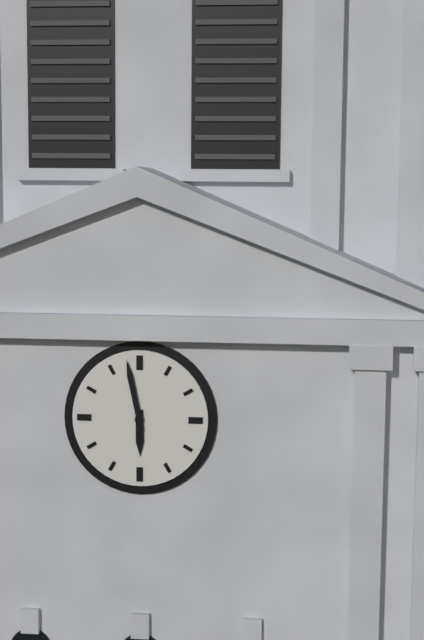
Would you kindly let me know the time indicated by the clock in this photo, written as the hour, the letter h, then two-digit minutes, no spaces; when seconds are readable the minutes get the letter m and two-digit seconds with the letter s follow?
5h58
